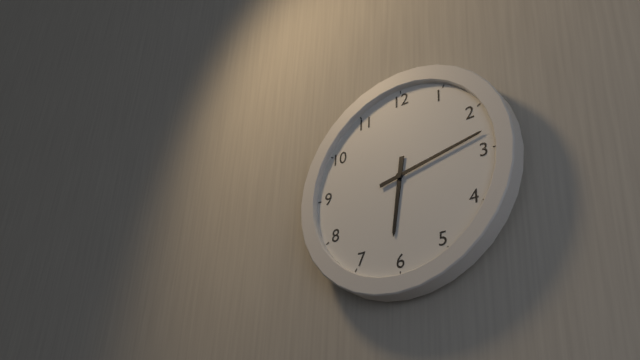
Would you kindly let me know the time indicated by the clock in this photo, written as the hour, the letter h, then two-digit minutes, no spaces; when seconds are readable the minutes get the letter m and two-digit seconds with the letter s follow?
6h13
